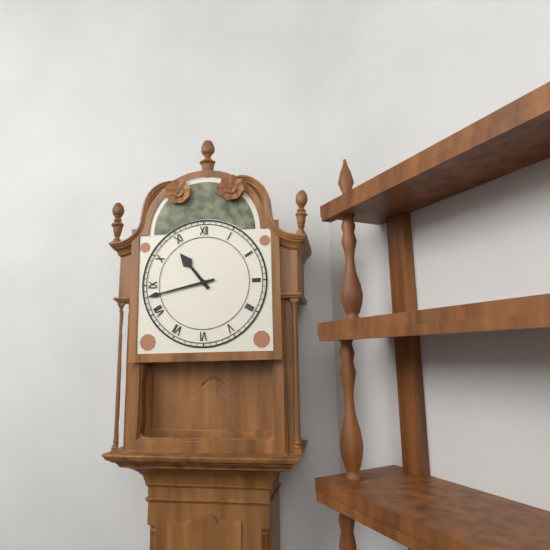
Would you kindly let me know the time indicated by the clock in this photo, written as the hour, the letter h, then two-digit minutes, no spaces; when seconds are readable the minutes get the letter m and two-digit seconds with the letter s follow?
10h43
